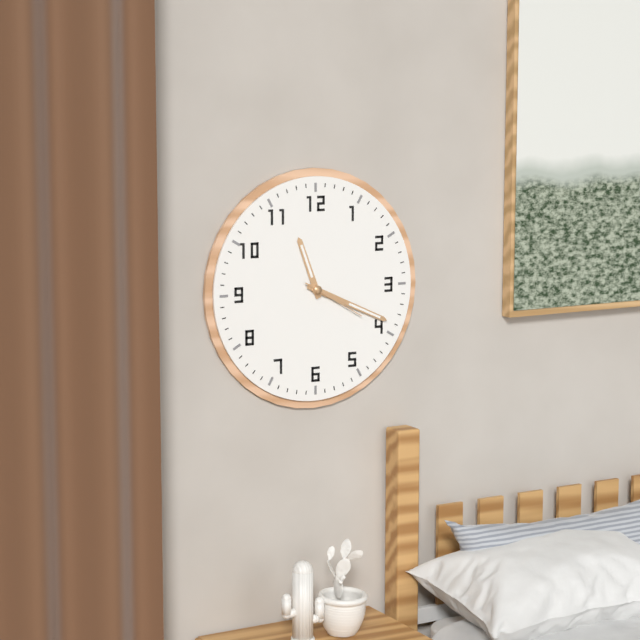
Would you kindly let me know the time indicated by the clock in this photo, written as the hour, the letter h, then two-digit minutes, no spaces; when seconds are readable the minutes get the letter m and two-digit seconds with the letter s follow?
11h19m20s
